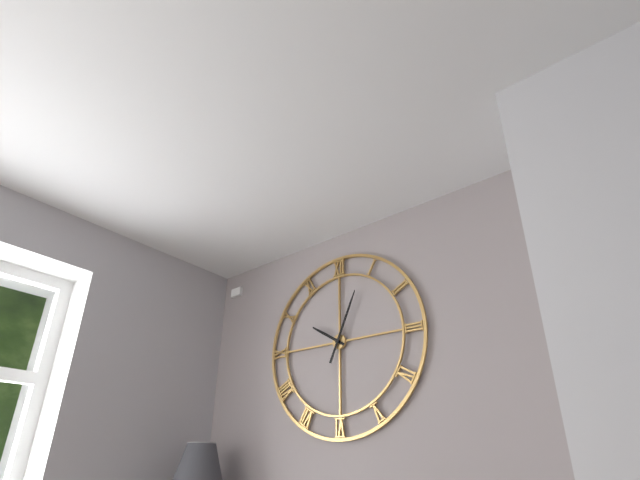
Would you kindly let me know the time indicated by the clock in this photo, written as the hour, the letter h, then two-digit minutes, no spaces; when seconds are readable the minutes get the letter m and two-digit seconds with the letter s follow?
10h04
